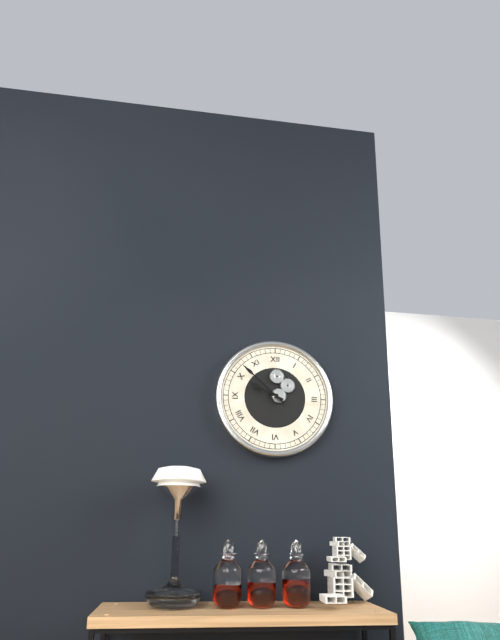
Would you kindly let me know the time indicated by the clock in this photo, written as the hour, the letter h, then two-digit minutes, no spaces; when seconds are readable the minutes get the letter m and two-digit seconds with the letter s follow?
9h52
